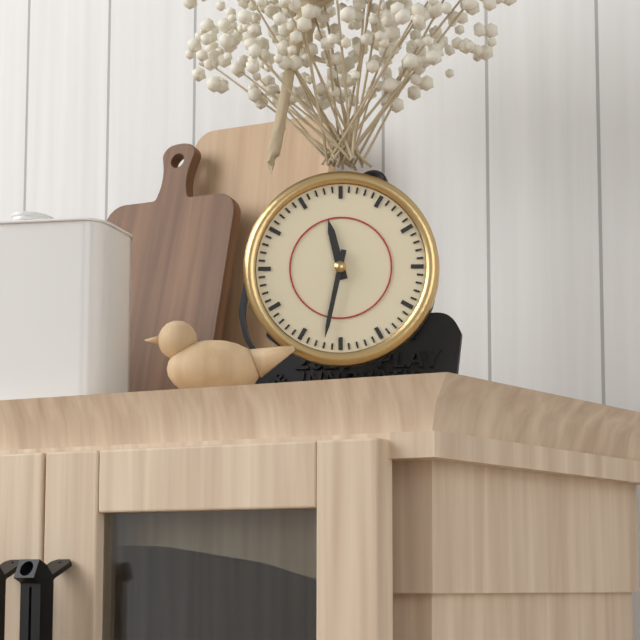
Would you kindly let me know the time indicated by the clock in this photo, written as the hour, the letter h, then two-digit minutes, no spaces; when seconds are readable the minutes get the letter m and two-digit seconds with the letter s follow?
11h32
